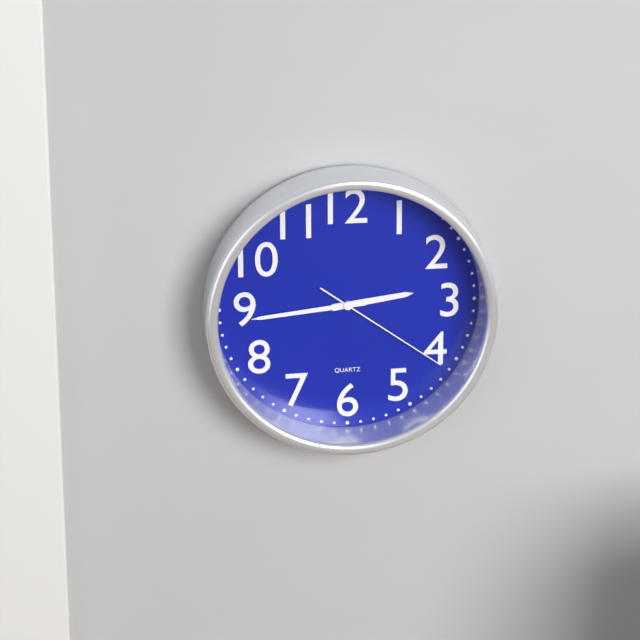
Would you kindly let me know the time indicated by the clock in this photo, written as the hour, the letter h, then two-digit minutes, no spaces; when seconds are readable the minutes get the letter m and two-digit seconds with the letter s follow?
2h44m21s
